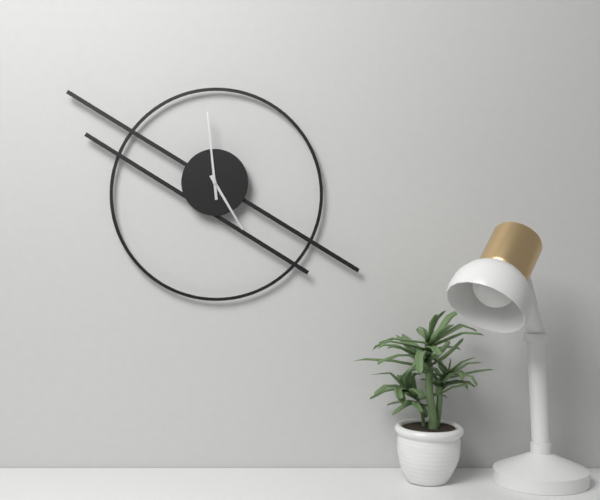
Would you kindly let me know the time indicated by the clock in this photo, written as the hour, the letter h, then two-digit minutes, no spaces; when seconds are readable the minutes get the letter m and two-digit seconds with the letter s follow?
4h59
